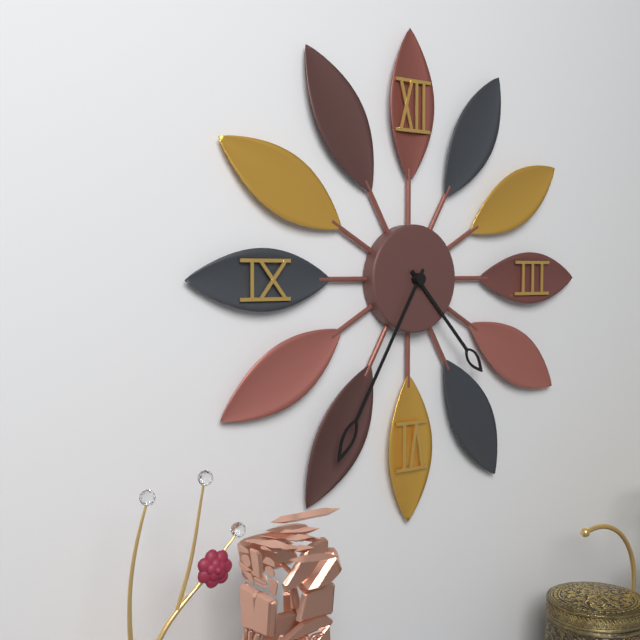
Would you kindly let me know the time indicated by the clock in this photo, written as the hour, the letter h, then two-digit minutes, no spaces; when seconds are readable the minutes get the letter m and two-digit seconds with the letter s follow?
4h35
